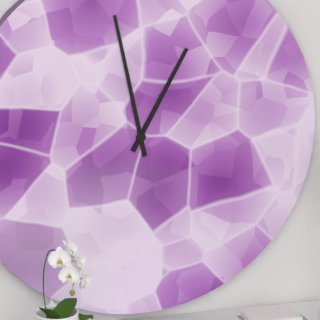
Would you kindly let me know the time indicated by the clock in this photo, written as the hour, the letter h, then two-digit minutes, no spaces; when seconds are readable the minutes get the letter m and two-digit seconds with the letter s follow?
12h58
